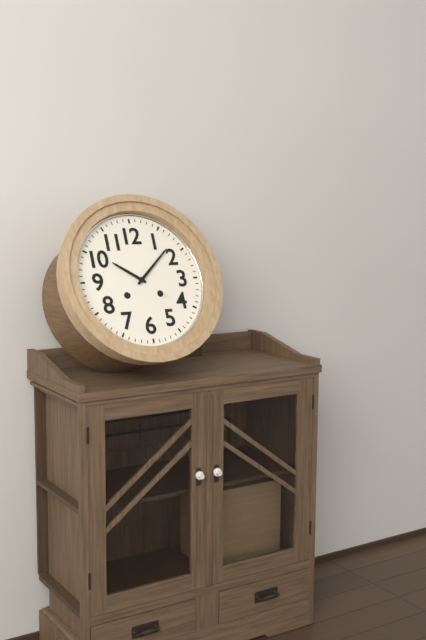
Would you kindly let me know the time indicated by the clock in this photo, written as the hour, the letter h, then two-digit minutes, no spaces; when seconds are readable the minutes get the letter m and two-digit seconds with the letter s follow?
10h08
